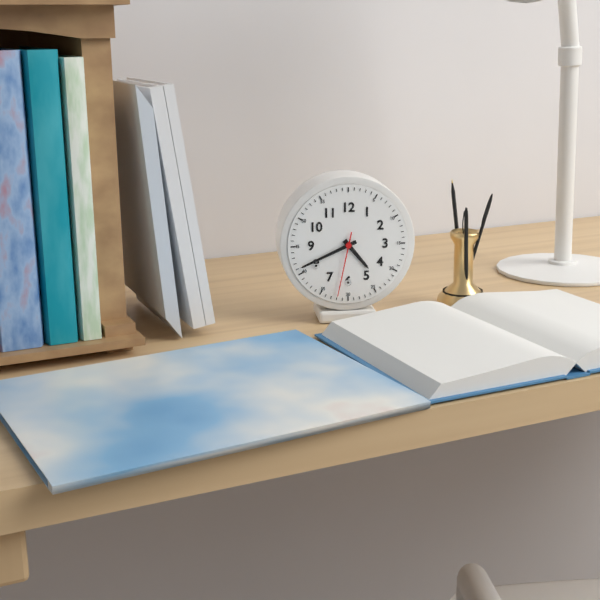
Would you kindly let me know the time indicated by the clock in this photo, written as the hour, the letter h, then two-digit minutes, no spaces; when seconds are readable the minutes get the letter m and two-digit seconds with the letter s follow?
4h41m32s
